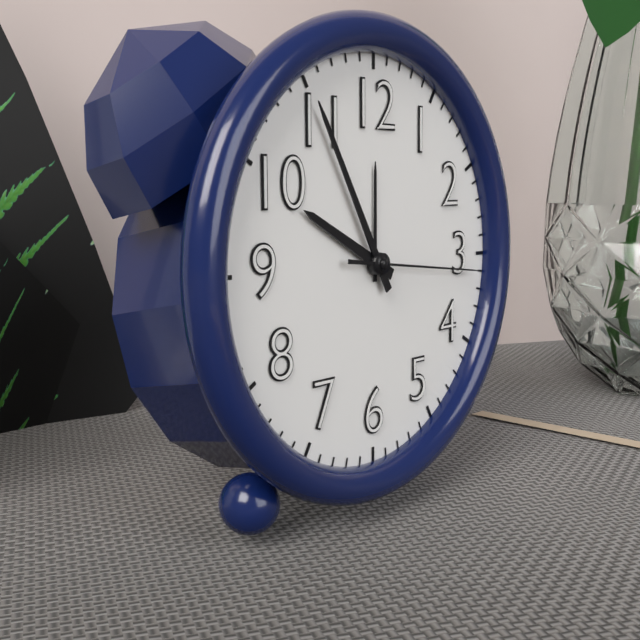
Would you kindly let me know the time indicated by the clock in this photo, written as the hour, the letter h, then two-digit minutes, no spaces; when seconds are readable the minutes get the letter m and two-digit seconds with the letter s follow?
9h55m16s
